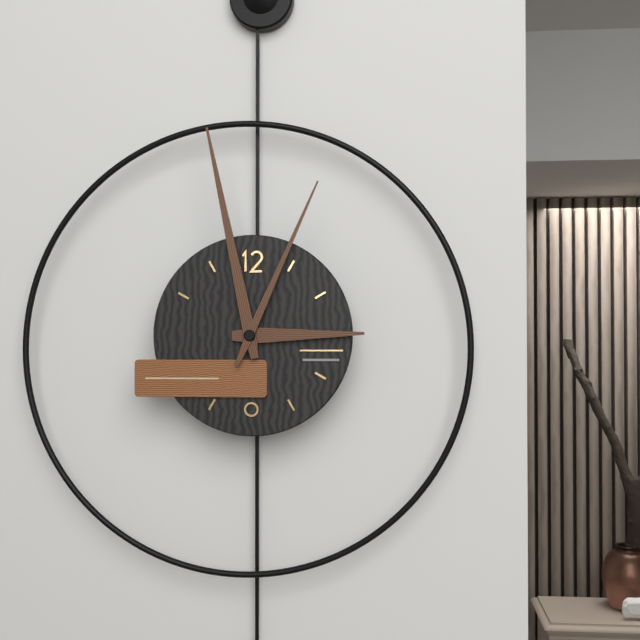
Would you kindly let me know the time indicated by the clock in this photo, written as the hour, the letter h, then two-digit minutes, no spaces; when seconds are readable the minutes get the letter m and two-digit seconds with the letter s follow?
2h58m04s
